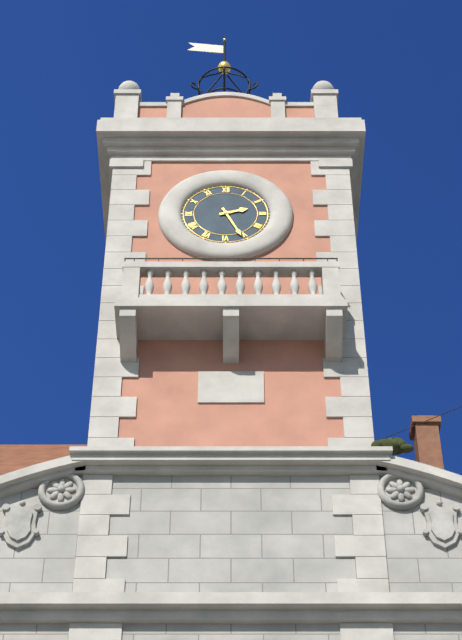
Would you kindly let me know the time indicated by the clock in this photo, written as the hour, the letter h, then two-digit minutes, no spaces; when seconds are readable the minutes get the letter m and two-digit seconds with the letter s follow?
2h26
